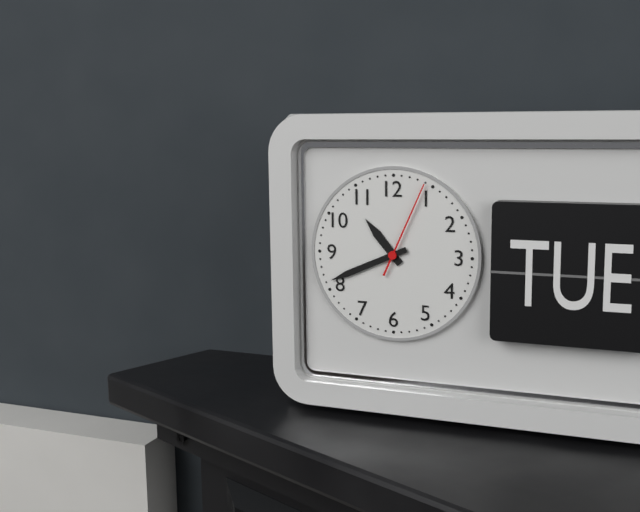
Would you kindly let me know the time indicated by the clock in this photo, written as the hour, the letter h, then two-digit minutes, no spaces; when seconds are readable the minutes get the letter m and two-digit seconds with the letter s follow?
10h41m04s
